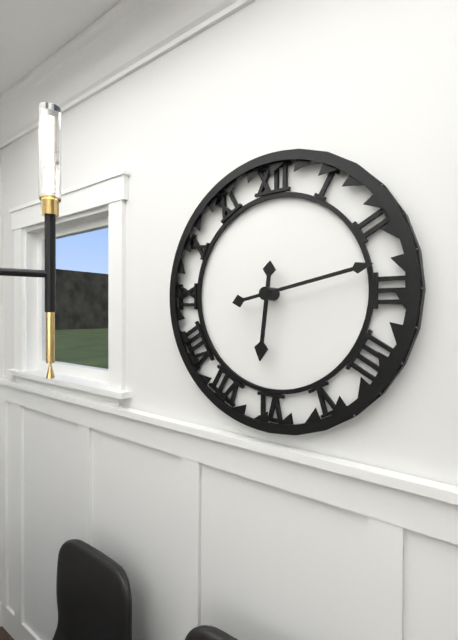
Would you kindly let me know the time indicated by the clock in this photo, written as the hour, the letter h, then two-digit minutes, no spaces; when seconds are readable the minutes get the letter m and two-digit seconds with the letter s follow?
6h13
